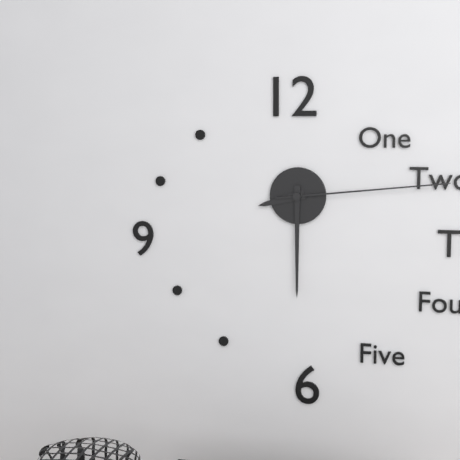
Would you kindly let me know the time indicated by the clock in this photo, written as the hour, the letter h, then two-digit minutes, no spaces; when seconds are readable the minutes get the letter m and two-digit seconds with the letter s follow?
8h30m14s
